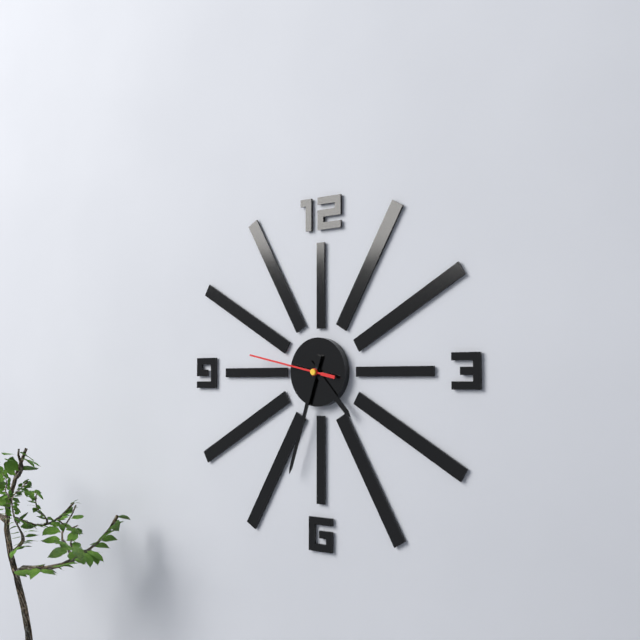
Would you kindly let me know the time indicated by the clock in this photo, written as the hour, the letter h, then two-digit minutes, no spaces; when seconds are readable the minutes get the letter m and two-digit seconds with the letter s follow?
4h33m47s
